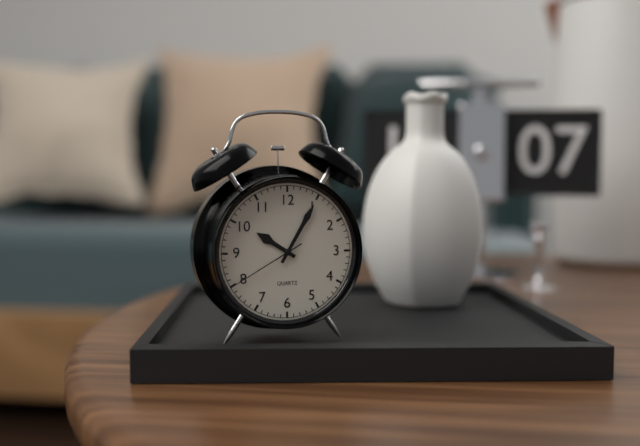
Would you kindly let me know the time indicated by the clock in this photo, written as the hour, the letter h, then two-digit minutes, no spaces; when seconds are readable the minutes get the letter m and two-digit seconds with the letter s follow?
10h05m40s
